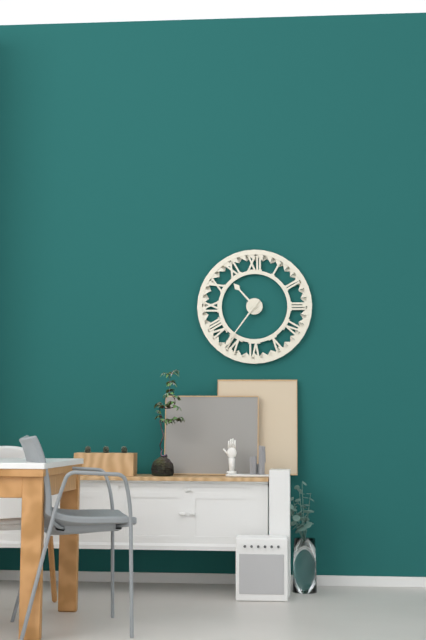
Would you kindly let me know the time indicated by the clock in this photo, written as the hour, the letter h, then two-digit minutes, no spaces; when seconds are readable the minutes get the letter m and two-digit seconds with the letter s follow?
10h36
